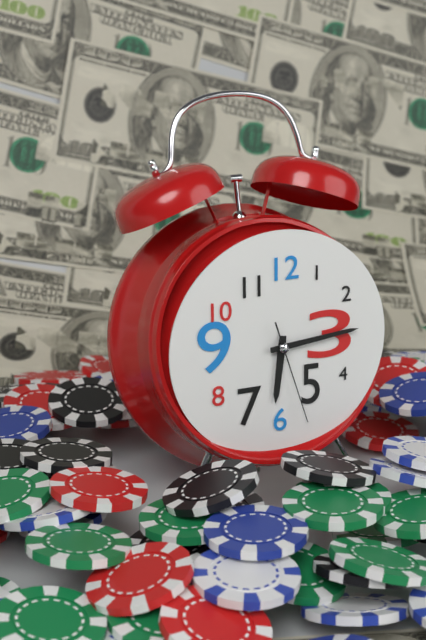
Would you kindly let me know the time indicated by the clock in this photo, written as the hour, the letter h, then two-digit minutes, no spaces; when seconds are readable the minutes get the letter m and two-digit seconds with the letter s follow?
6h14m27s
